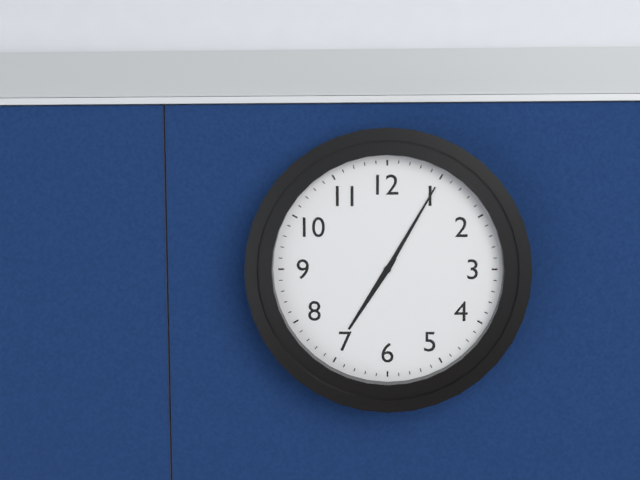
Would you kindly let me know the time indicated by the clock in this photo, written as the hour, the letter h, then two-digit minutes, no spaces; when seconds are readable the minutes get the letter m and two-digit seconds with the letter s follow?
7h05
